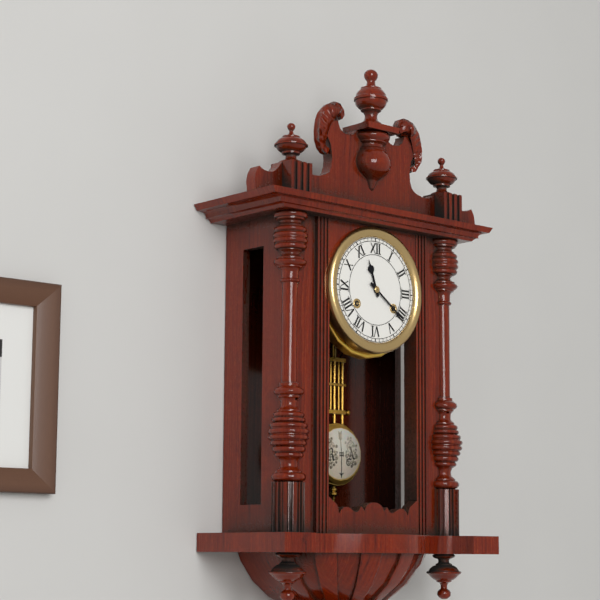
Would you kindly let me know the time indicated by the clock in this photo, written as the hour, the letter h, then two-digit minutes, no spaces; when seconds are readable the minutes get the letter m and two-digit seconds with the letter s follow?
11h21
